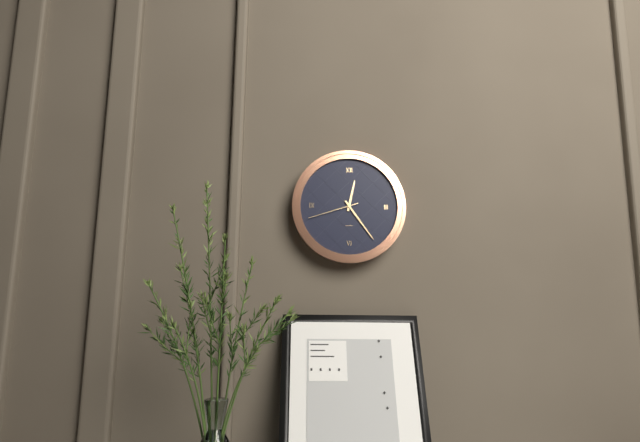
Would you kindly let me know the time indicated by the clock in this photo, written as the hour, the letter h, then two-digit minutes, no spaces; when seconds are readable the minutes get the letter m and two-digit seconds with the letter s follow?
12h24m42s
